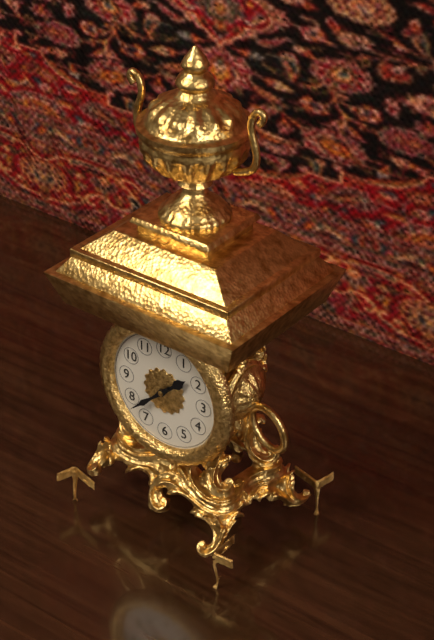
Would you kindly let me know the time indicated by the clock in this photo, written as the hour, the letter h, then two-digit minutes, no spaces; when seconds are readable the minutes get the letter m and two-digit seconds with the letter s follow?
1h38
